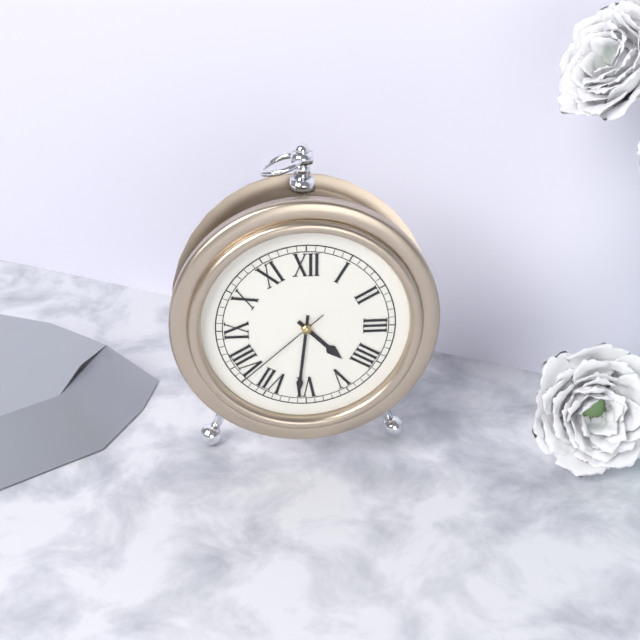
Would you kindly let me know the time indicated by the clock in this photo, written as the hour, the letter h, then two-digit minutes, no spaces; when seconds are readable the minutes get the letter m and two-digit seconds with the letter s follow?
4h31m38s
